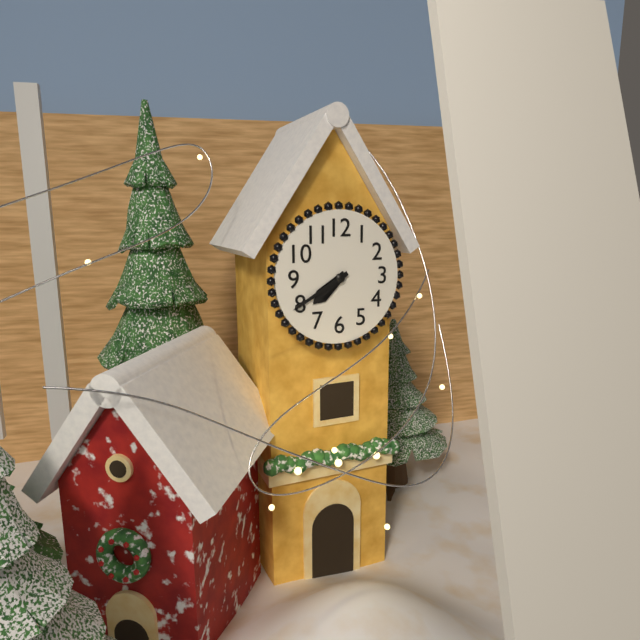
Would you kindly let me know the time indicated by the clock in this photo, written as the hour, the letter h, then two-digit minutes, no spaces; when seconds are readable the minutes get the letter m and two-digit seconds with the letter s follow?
7h40
